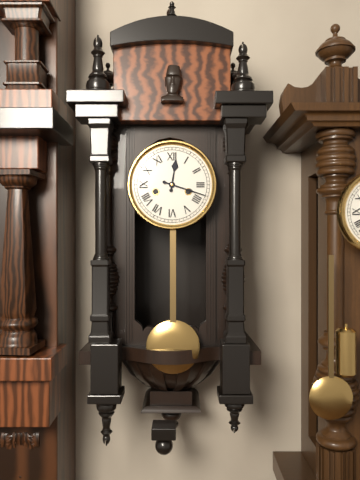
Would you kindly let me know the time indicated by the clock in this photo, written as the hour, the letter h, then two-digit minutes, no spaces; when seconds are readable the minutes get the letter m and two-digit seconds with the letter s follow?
12h18
